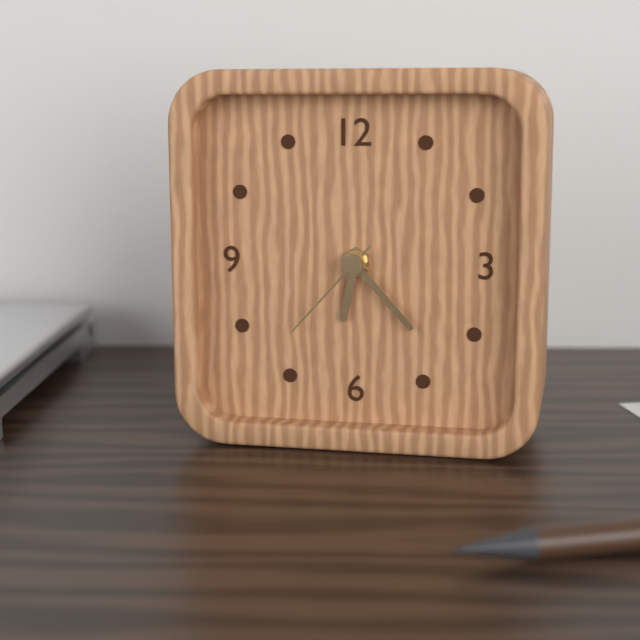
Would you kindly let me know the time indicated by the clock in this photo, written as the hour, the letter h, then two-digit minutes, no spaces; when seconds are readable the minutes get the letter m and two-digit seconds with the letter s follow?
6h23m37s
